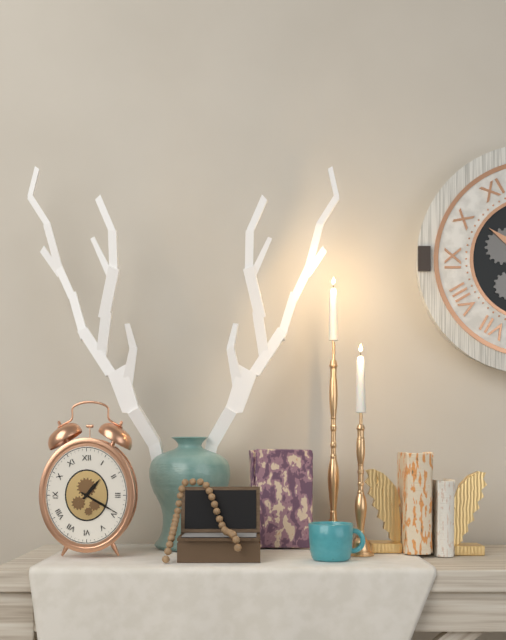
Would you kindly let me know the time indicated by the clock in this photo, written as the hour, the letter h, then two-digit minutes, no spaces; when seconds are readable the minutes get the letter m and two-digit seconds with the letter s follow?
1h20
